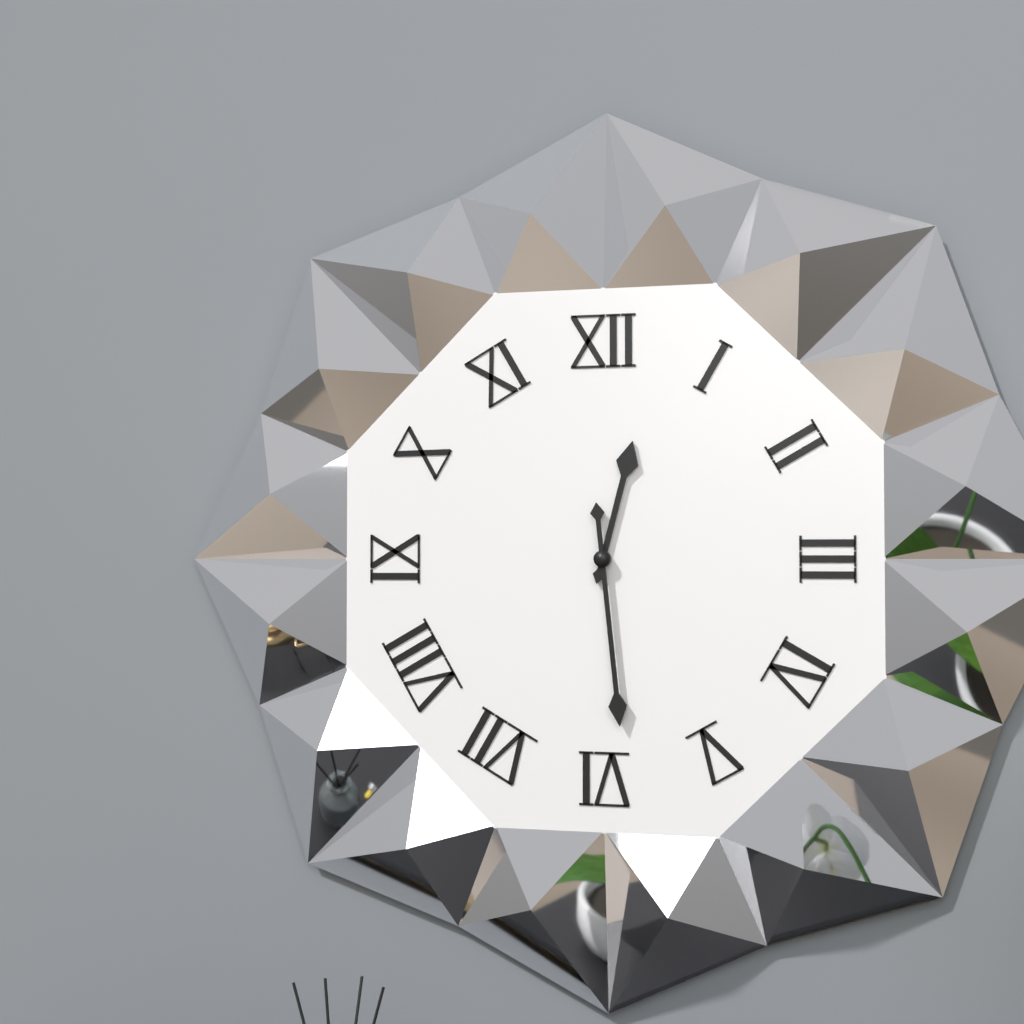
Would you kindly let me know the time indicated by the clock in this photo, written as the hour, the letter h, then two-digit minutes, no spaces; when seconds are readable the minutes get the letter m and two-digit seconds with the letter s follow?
12h29
